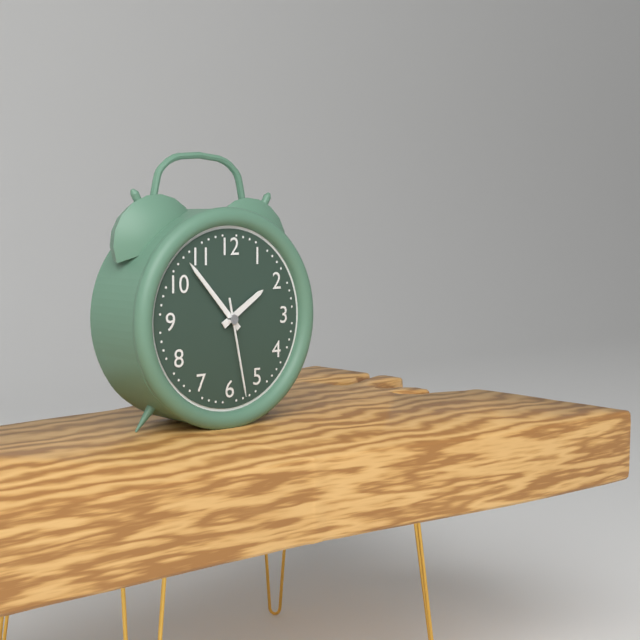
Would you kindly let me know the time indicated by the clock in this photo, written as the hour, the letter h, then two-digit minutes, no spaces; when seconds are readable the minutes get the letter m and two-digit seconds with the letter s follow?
1h53m28s
